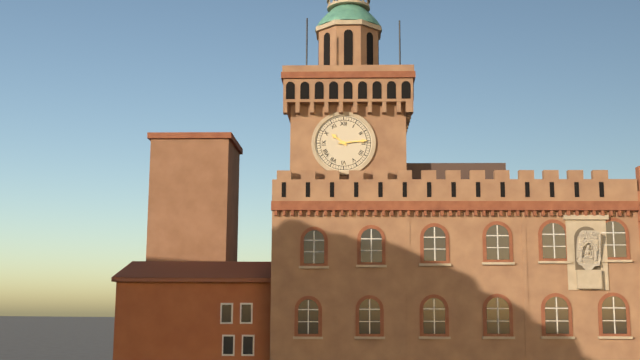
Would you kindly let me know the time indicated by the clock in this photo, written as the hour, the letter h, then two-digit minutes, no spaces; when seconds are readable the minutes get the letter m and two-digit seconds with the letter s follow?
10h14
